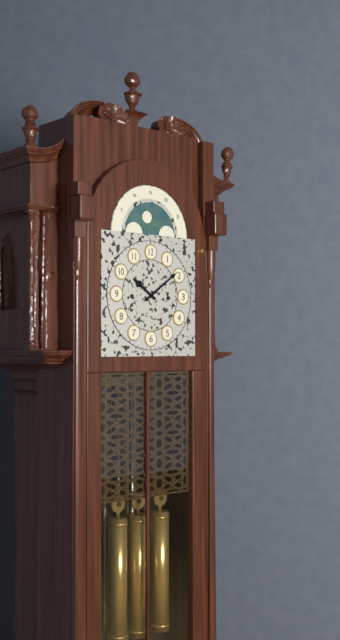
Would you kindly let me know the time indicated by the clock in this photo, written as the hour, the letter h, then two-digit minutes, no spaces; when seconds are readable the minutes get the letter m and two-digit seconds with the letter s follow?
10h09
